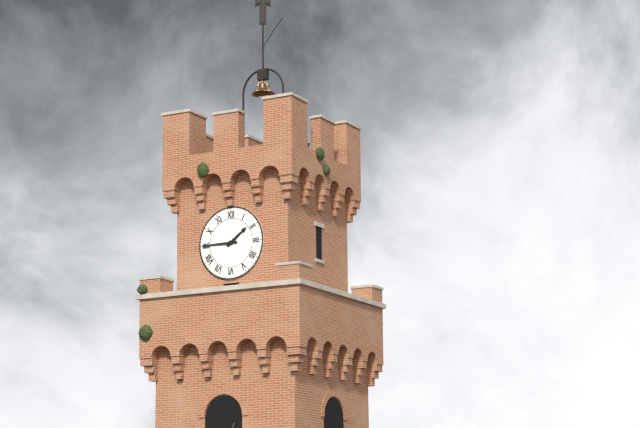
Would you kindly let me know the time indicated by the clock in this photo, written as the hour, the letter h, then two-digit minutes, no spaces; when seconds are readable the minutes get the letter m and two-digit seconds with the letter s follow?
1h45
